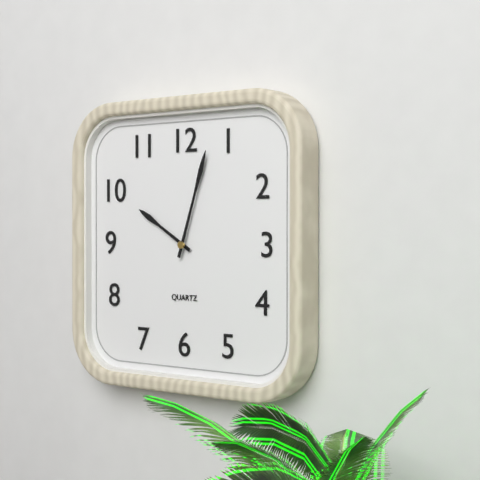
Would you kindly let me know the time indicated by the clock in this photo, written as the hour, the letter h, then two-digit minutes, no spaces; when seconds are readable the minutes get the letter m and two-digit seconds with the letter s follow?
10h03
